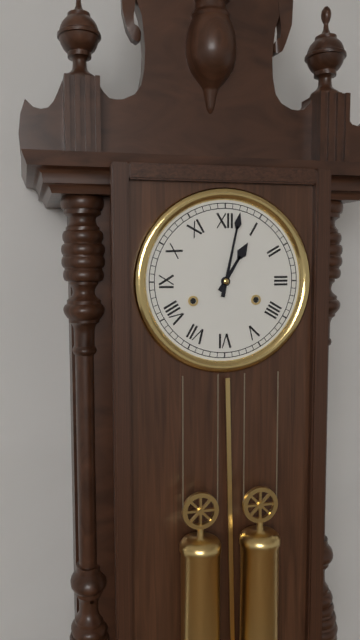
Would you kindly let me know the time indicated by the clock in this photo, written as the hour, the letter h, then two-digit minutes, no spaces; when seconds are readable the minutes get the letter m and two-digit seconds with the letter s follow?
1h02
